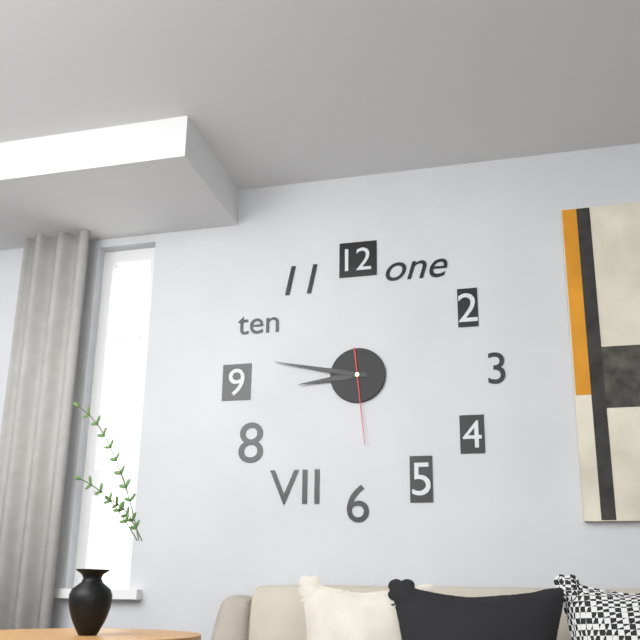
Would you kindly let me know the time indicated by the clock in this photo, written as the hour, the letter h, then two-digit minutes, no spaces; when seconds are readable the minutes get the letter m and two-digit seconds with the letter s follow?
8h47m29s
